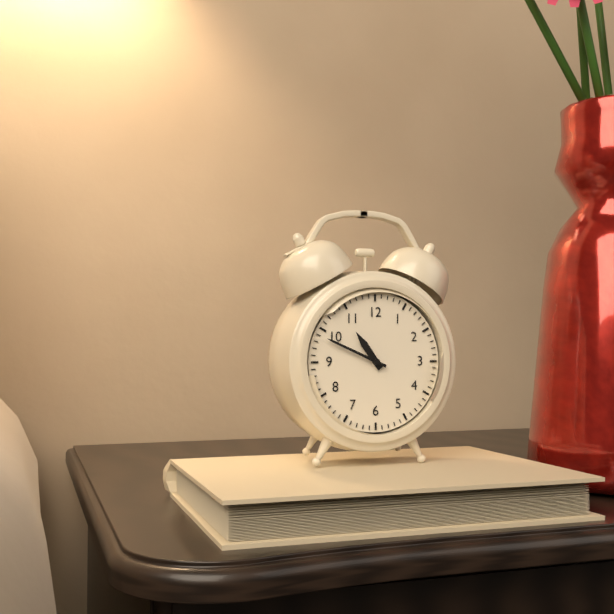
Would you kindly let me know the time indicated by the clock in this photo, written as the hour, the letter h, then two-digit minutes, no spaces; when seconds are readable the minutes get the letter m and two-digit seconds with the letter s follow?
10h49
